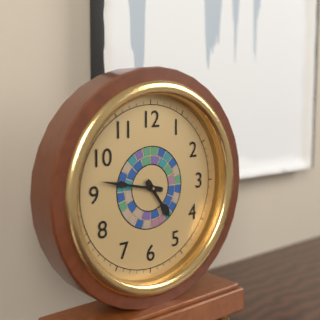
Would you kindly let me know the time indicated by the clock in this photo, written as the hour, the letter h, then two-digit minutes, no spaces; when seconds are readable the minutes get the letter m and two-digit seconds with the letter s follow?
4h47
